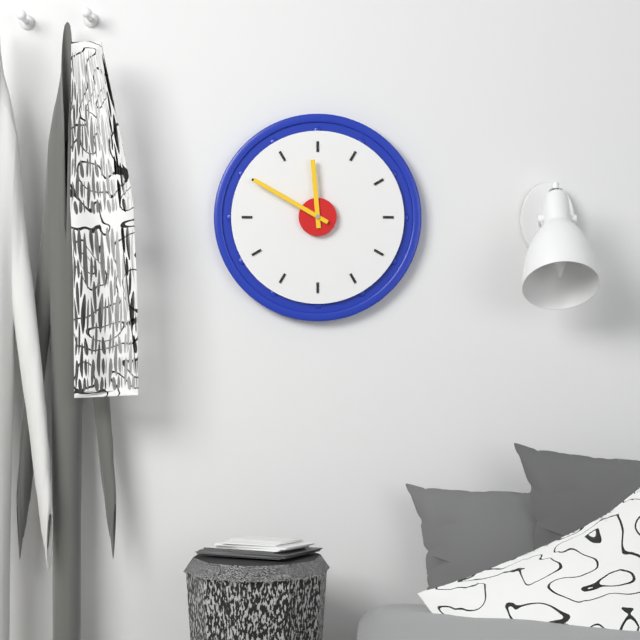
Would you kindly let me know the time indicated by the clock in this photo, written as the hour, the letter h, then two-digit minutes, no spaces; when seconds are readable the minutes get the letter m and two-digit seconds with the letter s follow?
11h50
